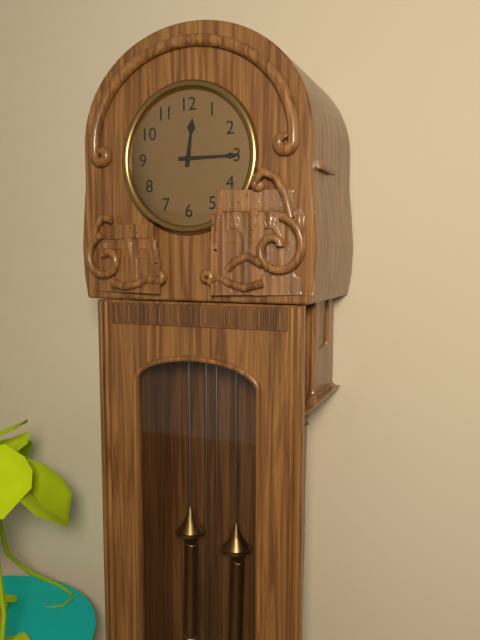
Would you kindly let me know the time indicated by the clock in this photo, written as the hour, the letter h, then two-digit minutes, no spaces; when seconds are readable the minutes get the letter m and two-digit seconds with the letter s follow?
12h15
